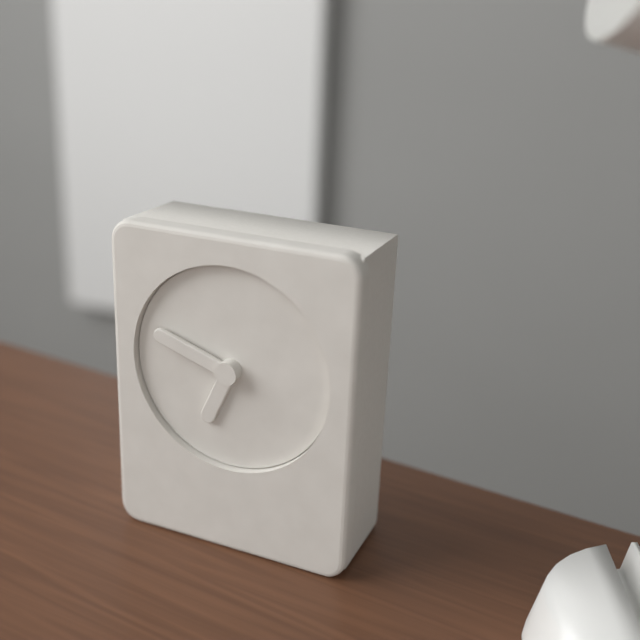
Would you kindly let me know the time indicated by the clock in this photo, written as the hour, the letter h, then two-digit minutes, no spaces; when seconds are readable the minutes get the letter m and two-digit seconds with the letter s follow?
6h48
